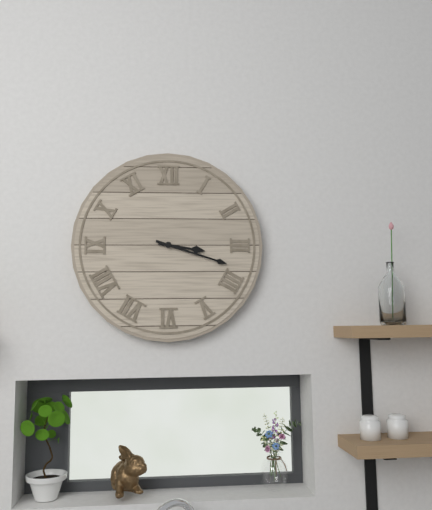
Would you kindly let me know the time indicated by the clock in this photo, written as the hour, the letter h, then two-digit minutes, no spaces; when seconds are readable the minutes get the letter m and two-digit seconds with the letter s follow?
3h18
